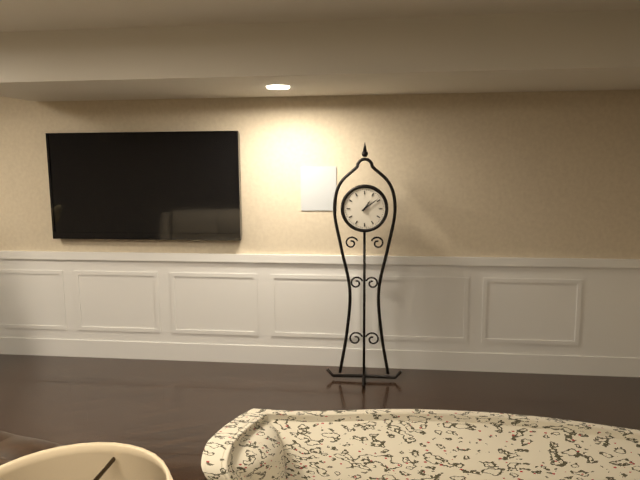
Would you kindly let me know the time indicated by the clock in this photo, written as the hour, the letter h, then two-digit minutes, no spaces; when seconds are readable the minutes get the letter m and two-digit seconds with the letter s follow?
1h09
